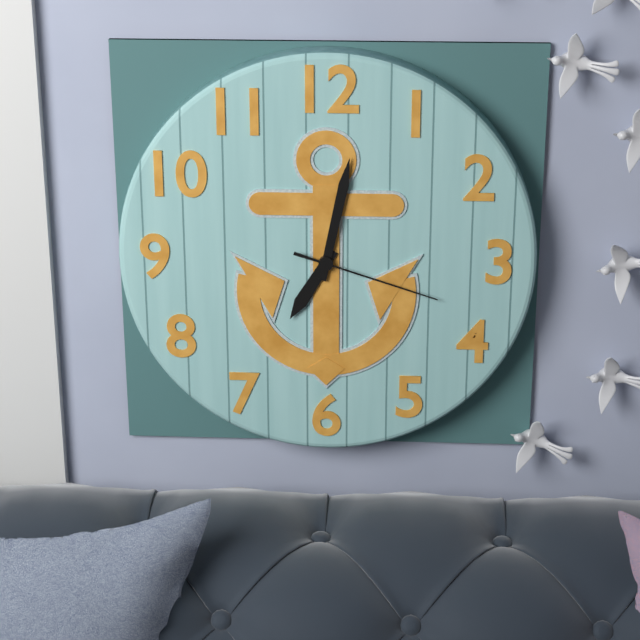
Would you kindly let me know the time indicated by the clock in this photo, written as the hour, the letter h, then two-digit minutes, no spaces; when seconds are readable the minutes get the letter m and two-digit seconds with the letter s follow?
7h02m18s
